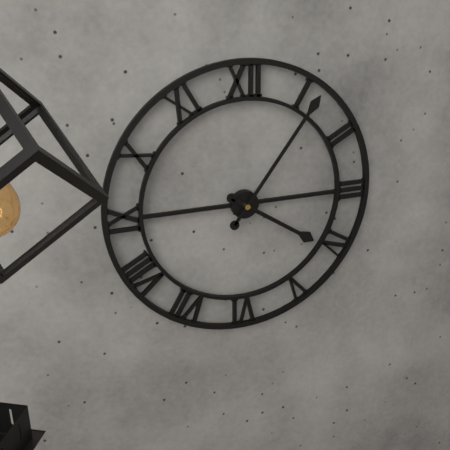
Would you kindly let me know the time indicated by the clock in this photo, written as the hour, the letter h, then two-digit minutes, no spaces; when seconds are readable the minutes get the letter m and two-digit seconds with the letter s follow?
4h06
